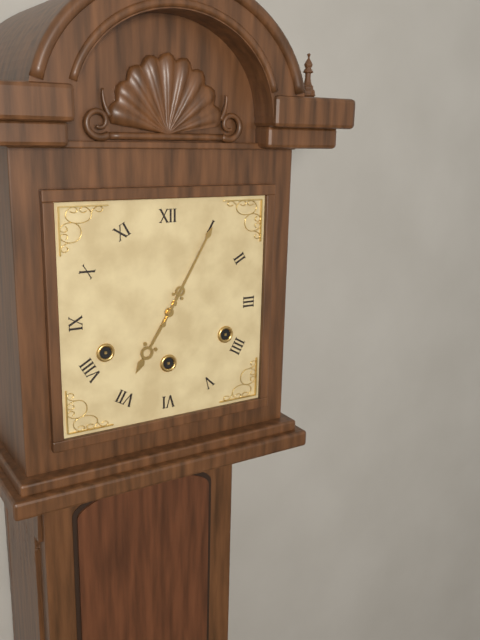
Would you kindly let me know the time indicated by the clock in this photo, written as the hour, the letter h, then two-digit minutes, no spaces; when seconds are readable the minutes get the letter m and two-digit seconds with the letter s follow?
7h05
